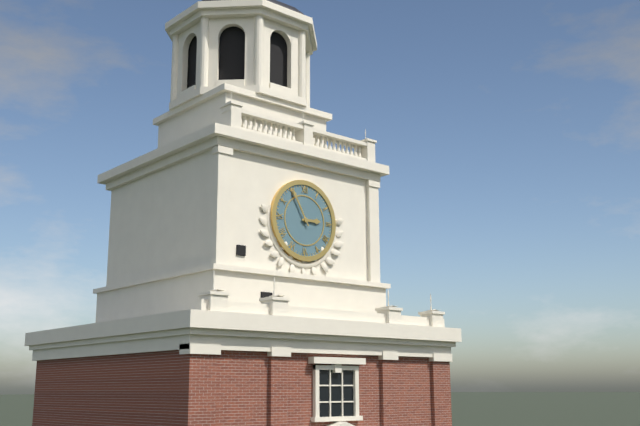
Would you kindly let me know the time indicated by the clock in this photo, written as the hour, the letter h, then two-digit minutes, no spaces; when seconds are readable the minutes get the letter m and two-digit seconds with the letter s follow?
2h55
